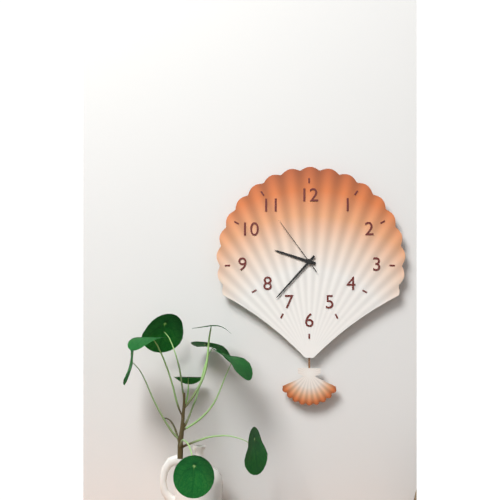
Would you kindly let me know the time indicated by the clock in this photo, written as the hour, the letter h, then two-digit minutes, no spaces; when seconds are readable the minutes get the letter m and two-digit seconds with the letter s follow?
9h37m54s
